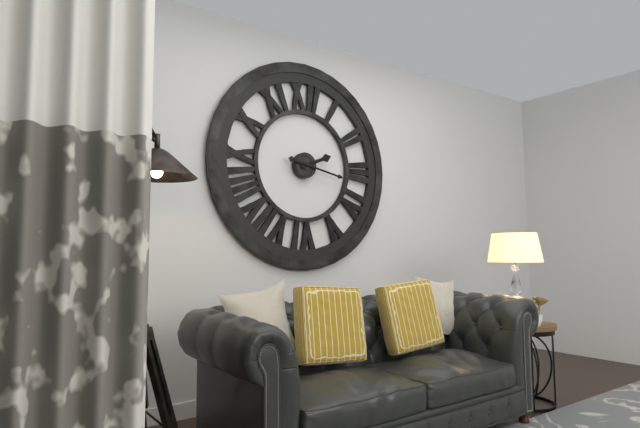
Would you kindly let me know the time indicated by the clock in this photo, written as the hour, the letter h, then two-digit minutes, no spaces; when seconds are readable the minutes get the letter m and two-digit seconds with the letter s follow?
2h17
